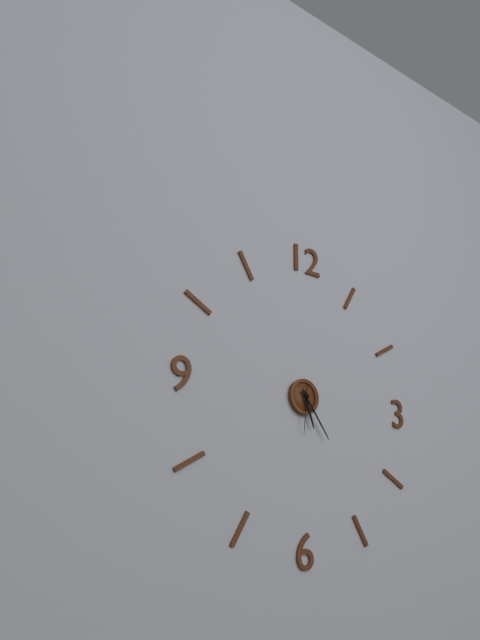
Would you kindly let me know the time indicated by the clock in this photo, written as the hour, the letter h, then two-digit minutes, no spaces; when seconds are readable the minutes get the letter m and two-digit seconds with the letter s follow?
5h24
